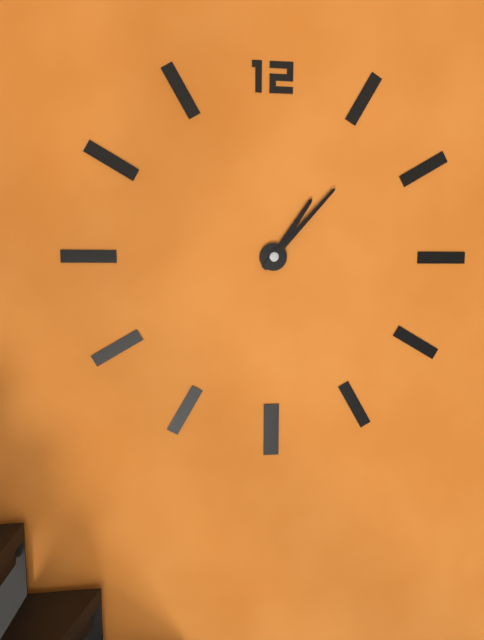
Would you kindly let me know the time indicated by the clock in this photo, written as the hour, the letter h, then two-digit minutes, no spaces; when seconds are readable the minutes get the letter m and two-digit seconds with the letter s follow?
1h07
